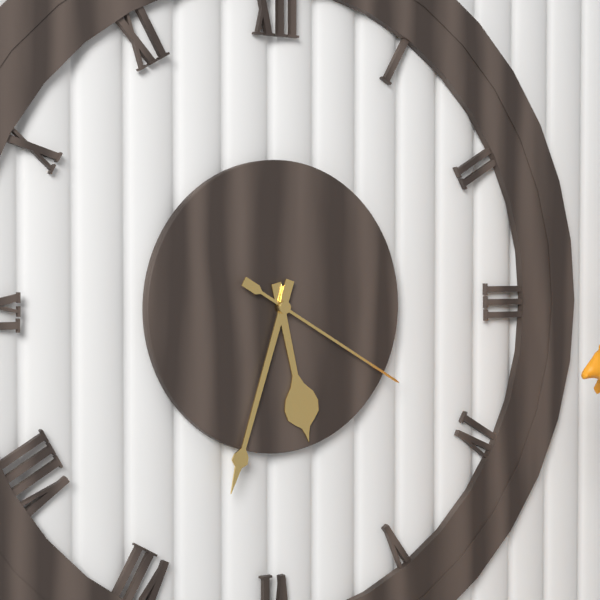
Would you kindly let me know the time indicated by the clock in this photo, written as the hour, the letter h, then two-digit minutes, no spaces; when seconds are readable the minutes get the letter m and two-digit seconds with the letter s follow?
5h33m20s
